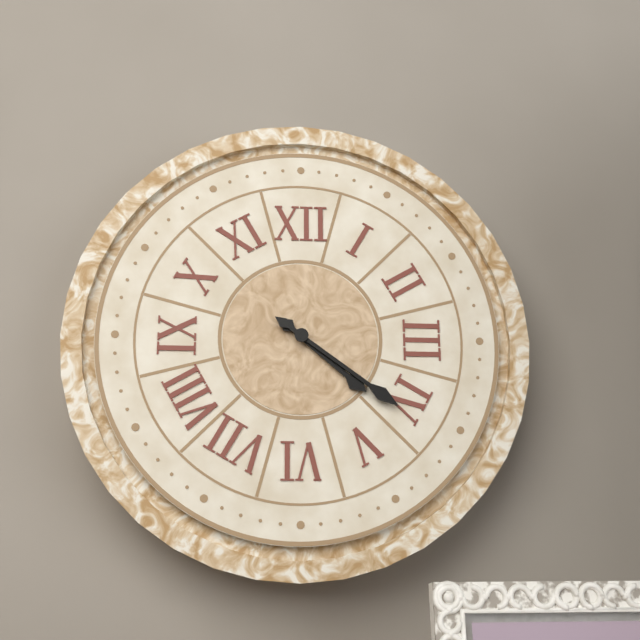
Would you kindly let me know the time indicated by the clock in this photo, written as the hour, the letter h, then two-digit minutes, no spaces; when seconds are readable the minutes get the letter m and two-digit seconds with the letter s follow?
4h21
